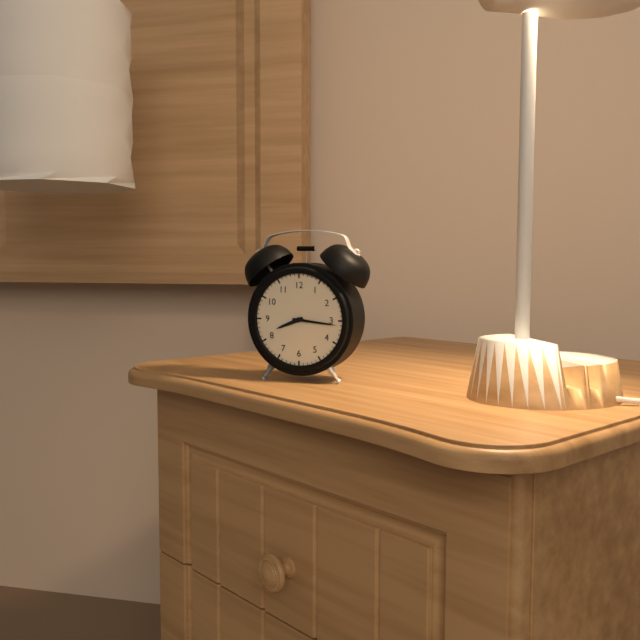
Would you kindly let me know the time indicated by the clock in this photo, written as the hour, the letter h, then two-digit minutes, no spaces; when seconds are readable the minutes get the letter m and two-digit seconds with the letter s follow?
8h16
